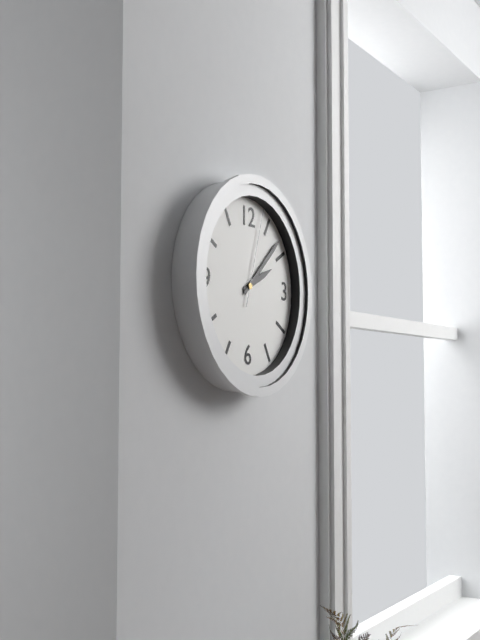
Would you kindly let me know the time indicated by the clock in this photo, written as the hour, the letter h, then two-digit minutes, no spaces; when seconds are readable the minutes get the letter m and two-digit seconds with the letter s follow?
2h08m03s
